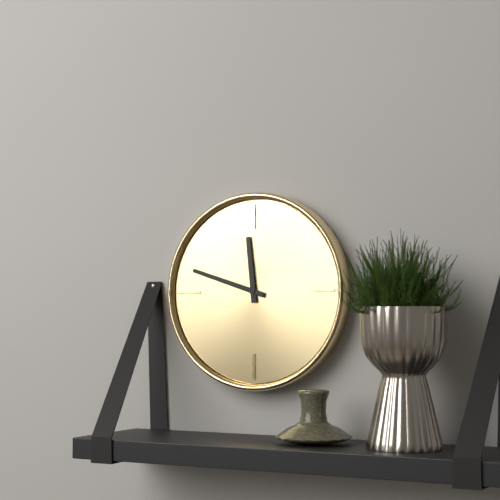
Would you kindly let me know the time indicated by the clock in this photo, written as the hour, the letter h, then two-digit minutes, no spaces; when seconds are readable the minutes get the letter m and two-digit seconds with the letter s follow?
11h48
